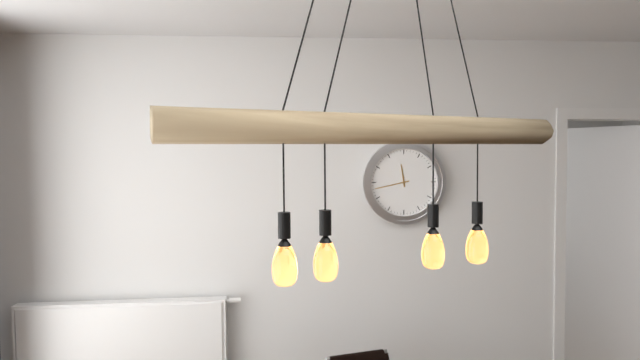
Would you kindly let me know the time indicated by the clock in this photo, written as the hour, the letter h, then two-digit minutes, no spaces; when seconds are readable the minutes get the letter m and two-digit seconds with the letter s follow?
11h43
